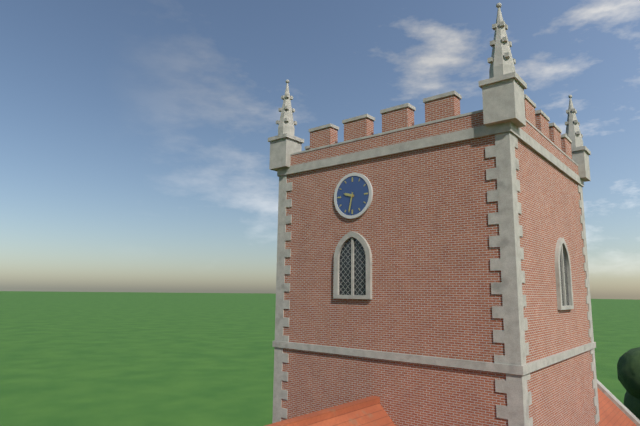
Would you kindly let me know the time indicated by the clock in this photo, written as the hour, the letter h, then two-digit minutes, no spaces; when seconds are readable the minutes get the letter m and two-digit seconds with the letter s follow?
9h32
